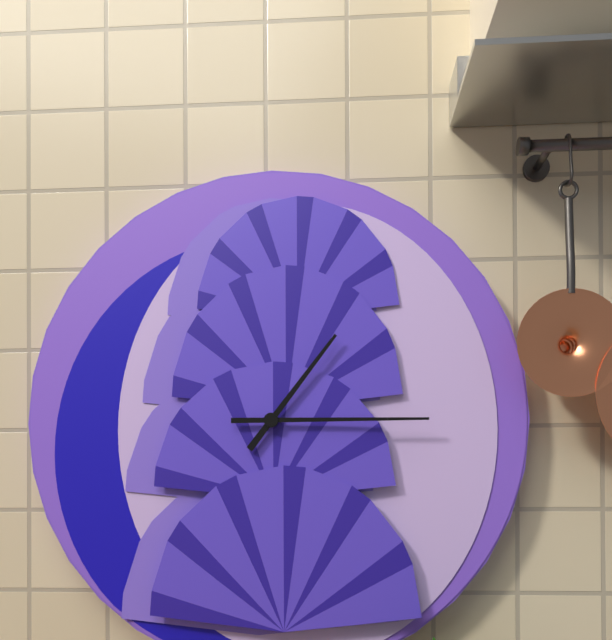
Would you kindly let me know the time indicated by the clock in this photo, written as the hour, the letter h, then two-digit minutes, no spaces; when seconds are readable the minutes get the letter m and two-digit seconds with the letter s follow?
1h15
